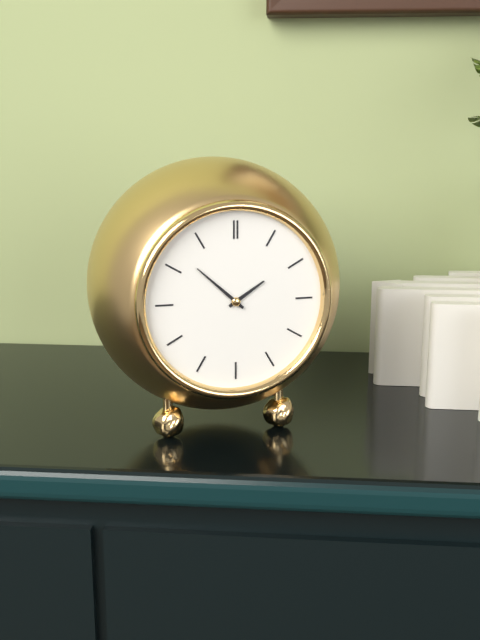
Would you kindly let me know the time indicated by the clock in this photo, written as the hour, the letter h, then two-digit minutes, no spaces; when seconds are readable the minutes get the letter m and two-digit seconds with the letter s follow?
1h52
